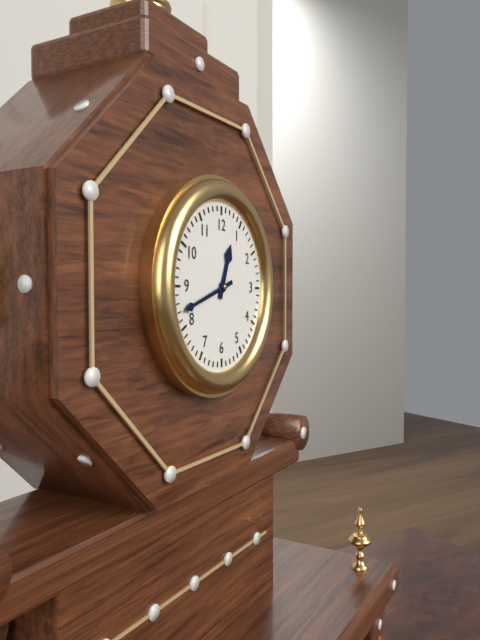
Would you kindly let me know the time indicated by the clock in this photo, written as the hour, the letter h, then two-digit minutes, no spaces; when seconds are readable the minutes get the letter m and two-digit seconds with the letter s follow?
12h42
